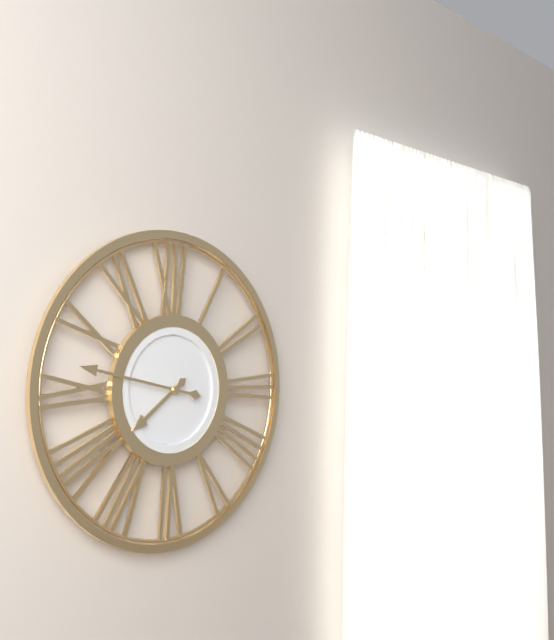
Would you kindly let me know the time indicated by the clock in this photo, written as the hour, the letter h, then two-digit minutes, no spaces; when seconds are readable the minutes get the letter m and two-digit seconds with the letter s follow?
7h47
